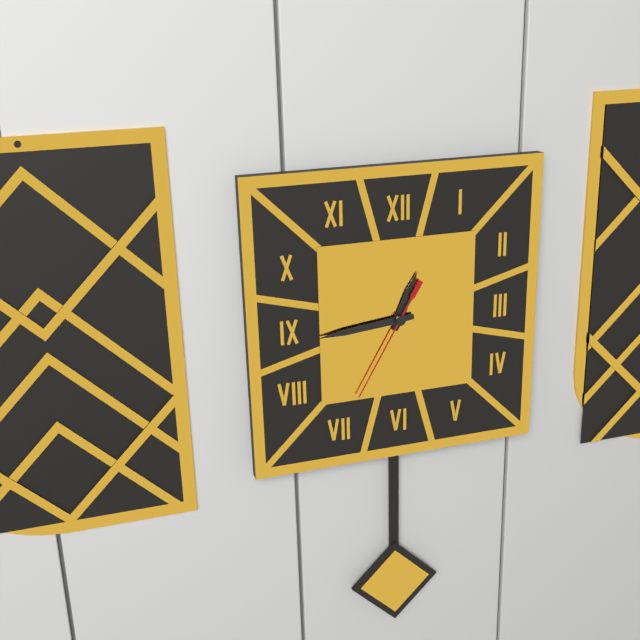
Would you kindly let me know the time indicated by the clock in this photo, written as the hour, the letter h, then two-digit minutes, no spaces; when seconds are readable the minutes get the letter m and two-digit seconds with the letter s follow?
12h44m35s
